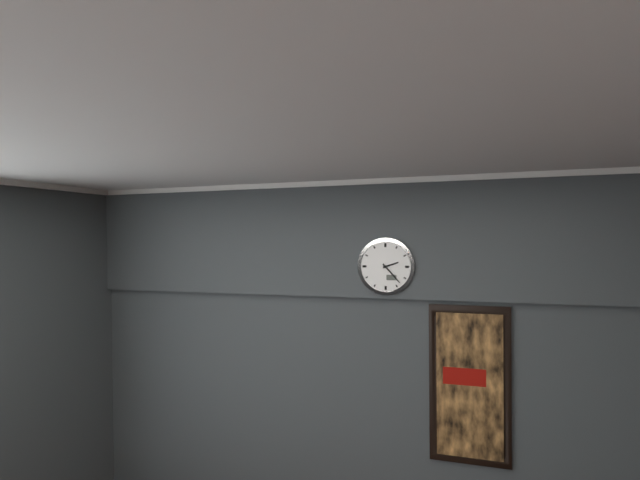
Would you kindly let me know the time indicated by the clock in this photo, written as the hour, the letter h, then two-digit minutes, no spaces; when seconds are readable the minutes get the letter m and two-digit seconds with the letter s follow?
2h23
